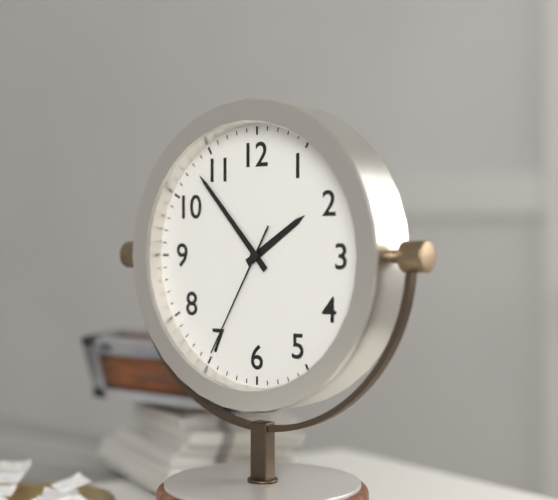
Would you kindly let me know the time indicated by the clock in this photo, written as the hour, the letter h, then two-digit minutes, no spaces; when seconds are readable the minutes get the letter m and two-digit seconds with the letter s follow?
1h53m35s
